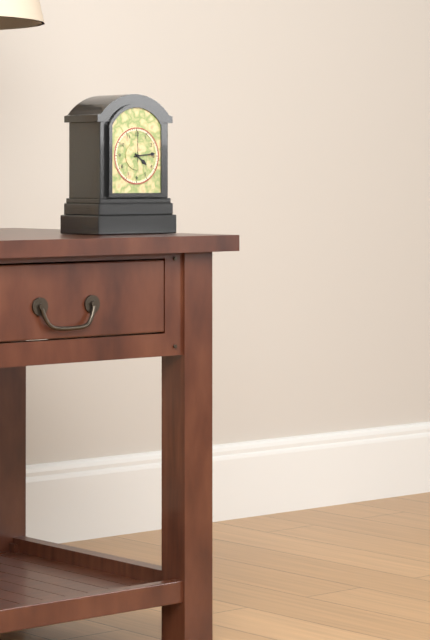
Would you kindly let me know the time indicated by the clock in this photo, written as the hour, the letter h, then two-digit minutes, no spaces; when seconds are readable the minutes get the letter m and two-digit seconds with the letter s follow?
4h14
